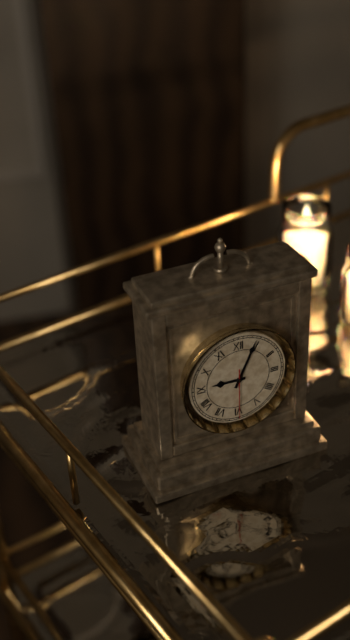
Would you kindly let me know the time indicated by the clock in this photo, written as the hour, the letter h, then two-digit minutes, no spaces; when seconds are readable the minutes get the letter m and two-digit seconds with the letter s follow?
9h04
